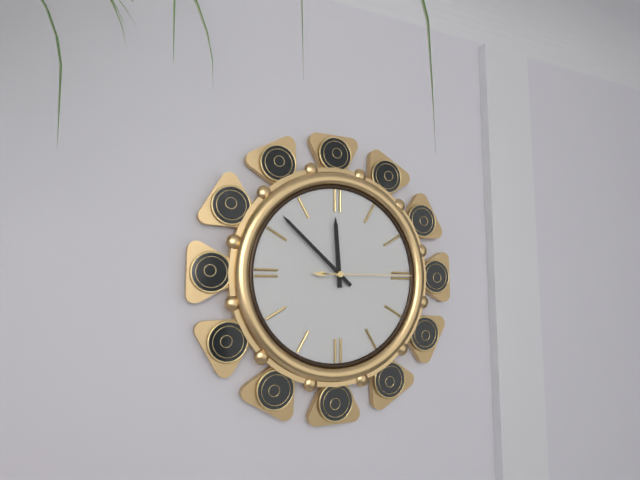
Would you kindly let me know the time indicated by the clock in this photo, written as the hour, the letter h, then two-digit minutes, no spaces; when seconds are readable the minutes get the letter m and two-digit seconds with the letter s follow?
11h52m15s
